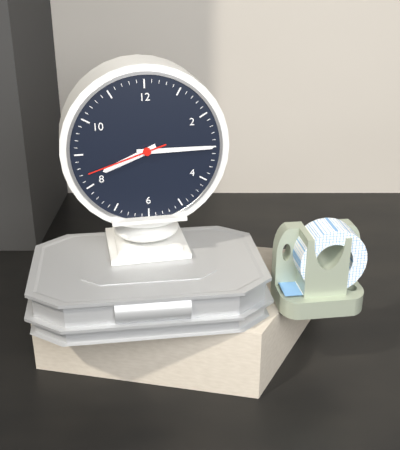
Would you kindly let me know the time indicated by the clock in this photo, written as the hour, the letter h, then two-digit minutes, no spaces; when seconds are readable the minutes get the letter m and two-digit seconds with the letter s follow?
8h15m42s
